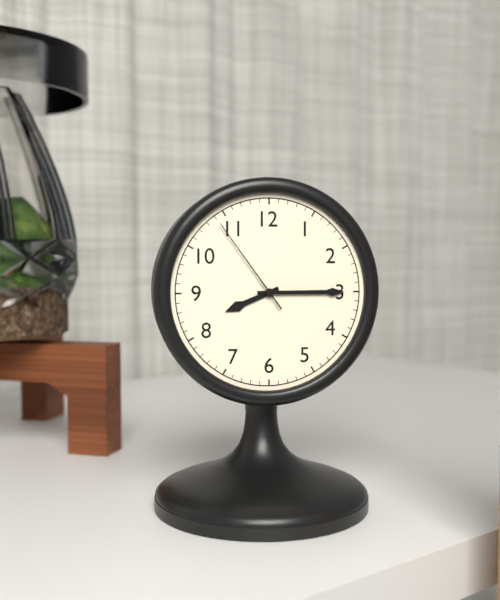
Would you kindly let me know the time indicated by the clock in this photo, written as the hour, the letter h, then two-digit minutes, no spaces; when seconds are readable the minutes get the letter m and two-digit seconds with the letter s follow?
8h15m54s
